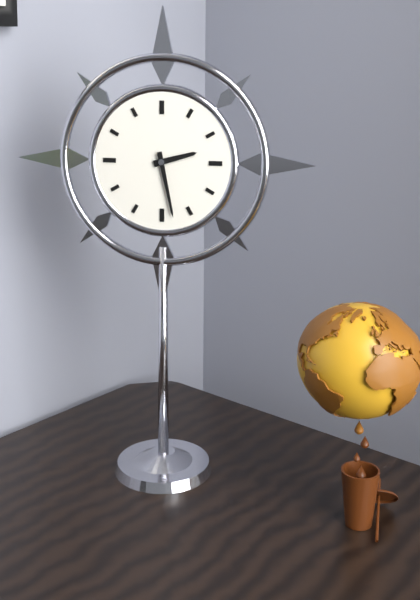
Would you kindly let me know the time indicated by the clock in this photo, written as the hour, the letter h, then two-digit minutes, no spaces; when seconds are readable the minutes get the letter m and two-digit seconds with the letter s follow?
2h28
